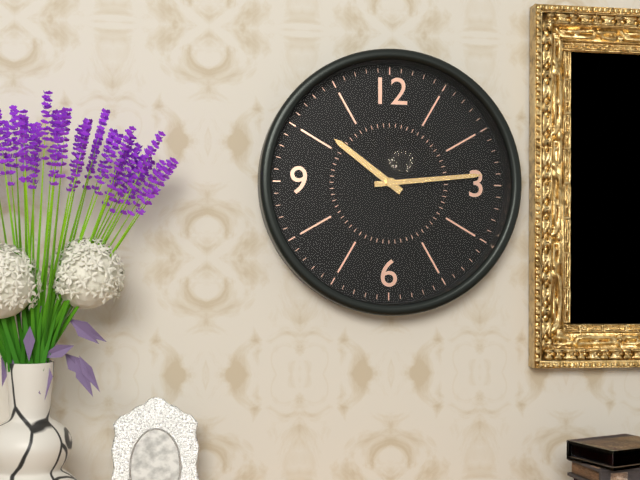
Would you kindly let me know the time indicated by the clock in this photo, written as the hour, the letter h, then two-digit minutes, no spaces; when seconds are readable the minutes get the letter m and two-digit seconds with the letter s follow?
10h14
